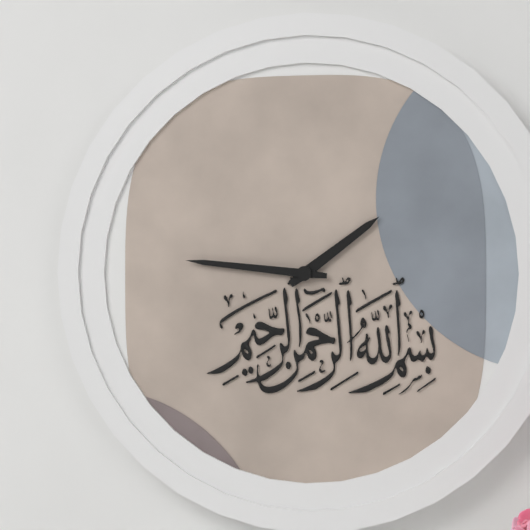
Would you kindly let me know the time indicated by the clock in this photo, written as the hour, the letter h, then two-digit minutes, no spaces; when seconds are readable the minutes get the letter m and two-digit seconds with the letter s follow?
1h46
